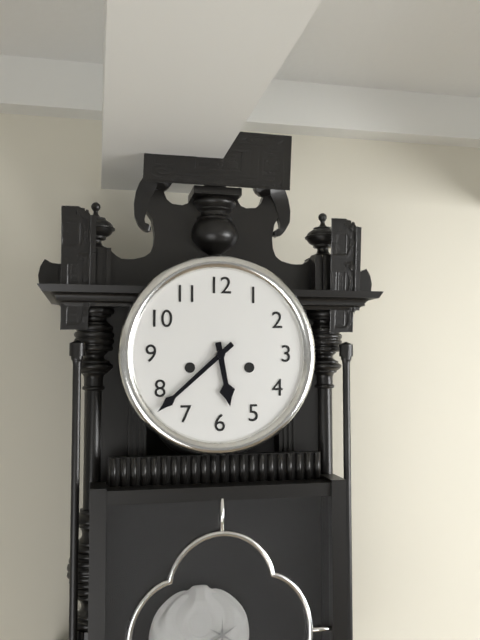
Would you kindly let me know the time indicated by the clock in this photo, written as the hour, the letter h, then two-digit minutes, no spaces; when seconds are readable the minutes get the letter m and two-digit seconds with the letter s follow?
5h38
